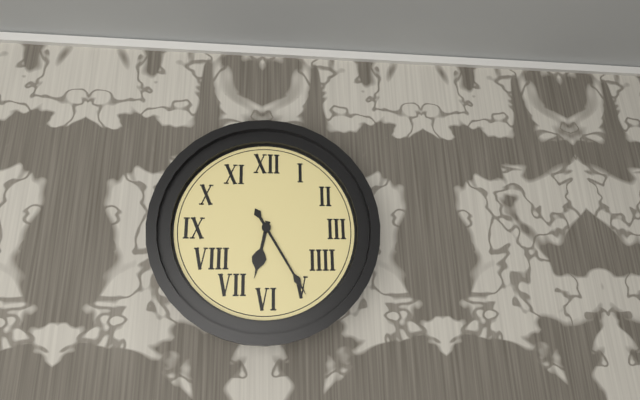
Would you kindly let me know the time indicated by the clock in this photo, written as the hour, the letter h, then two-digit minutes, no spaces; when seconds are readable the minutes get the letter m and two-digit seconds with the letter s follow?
6h25
